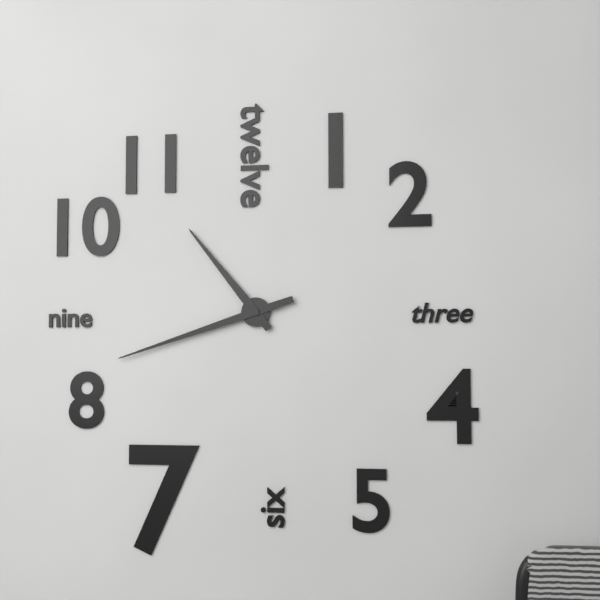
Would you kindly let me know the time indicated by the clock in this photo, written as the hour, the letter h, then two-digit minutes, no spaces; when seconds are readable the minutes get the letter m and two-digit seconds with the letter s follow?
10h42
